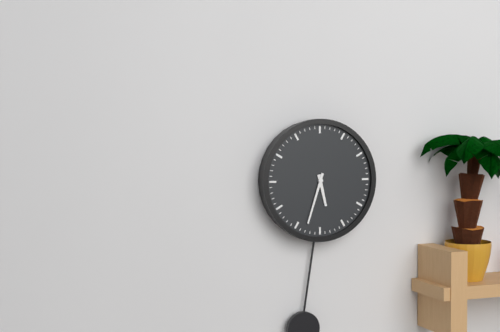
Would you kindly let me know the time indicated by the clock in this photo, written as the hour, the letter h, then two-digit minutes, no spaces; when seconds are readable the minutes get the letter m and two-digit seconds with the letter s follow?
5h33
